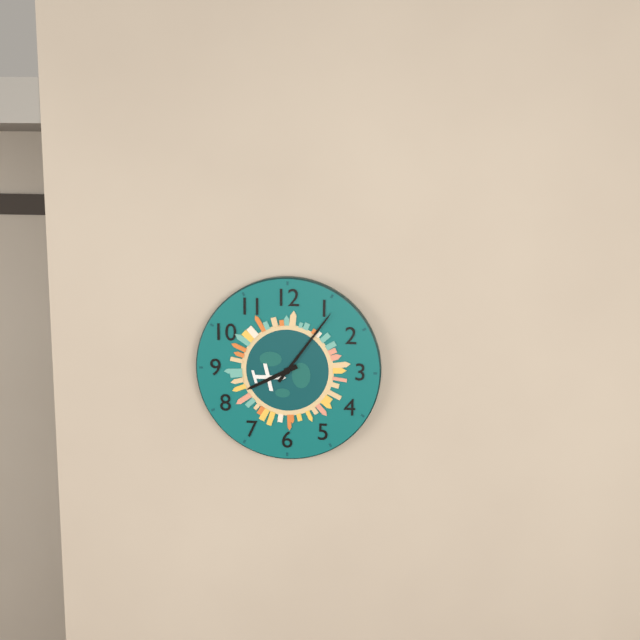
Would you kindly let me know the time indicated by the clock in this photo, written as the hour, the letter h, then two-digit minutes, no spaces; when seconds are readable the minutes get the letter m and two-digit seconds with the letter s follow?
8h06
